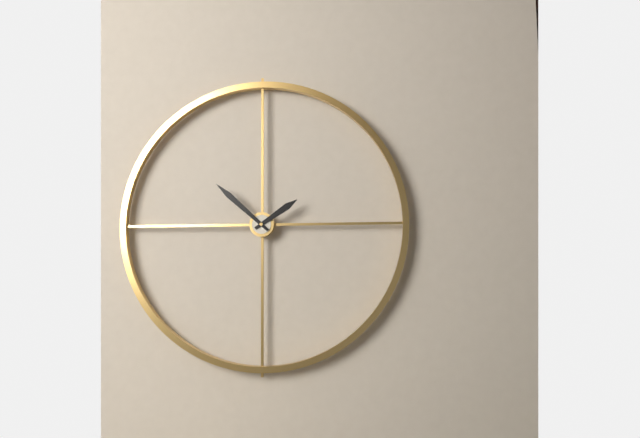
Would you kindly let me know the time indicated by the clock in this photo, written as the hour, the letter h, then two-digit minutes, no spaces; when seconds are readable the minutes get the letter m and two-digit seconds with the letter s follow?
1h52
